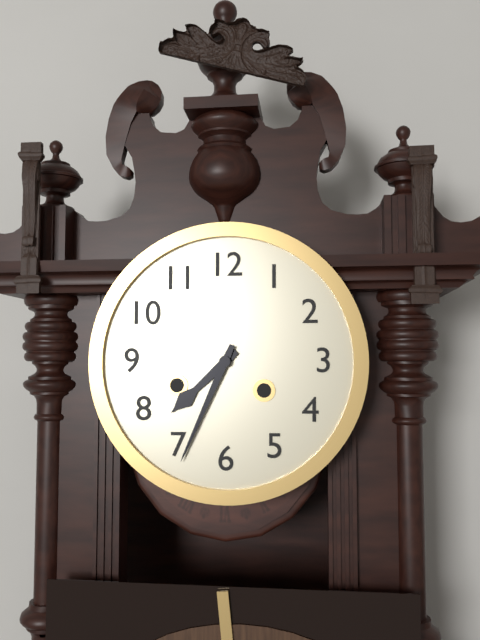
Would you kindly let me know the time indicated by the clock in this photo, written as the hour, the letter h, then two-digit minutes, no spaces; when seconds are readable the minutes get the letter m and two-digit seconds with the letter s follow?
7h34
